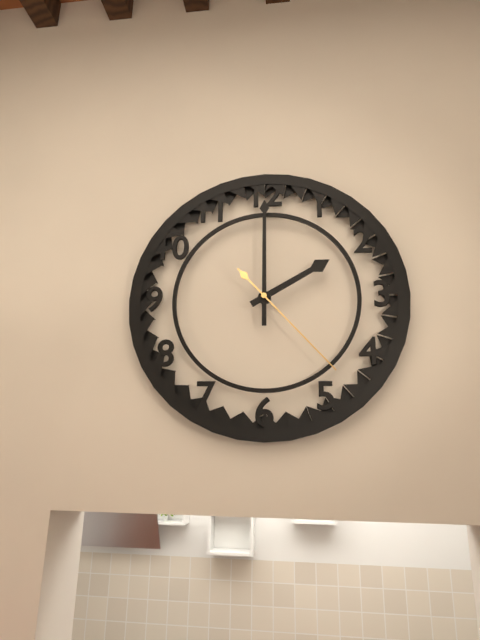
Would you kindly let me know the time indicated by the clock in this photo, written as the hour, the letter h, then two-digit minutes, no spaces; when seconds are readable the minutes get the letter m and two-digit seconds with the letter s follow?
2h00m23s
